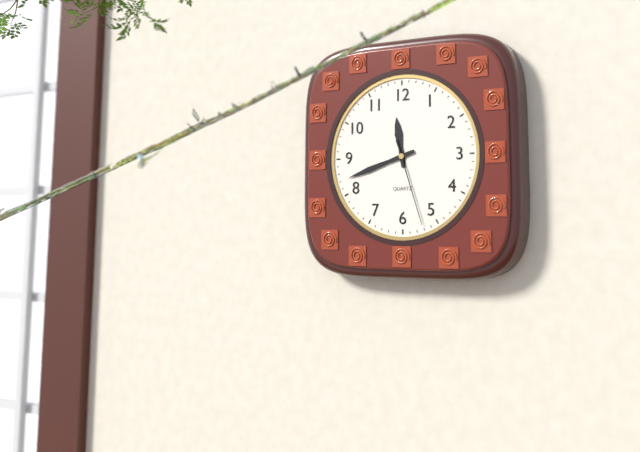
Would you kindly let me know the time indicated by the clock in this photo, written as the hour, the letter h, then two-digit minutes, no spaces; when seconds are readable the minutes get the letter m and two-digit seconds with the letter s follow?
11h42m27s
